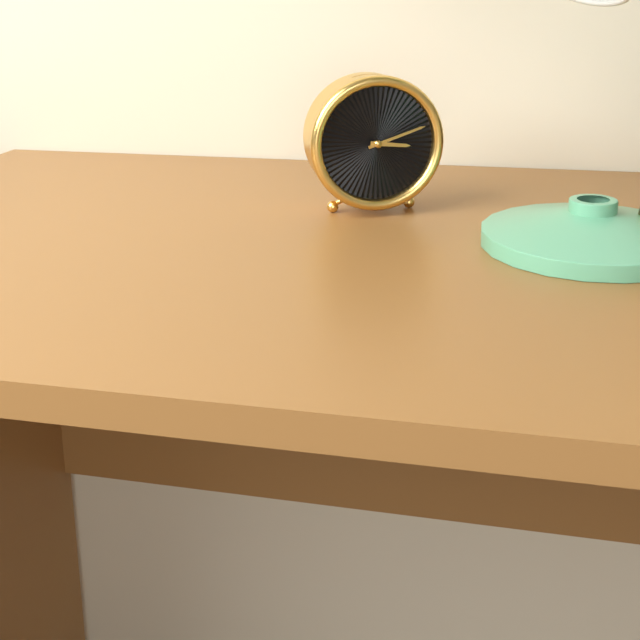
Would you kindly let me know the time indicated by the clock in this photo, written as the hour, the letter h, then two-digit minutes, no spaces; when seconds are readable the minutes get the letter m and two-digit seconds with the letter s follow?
3h12
